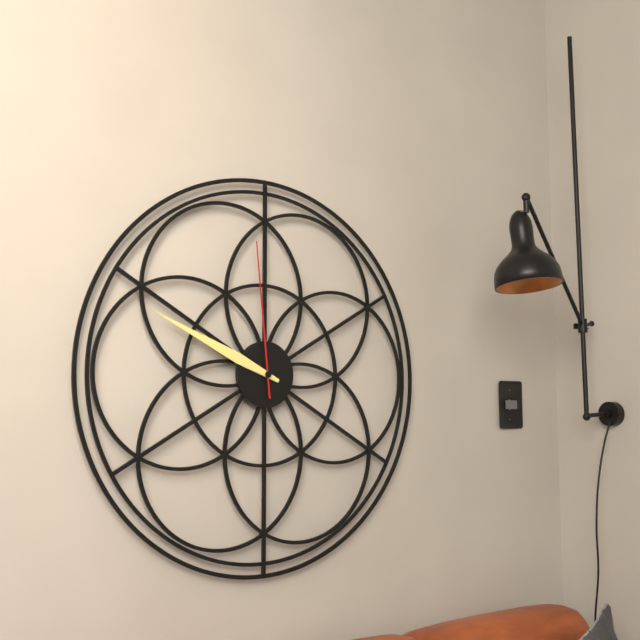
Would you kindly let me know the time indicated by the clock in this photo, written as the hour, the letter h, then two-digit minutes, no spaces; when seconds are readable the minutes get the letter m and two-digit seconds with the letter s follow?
9h49m59s
